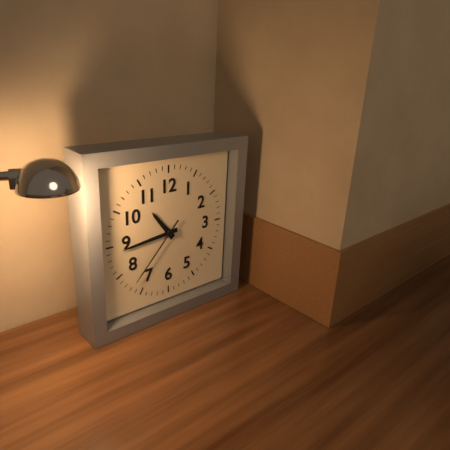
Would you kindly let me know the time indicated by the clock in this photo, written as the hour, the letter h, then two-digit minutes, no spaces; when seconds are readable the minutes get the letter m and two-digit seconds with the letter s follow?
10h44m37s
